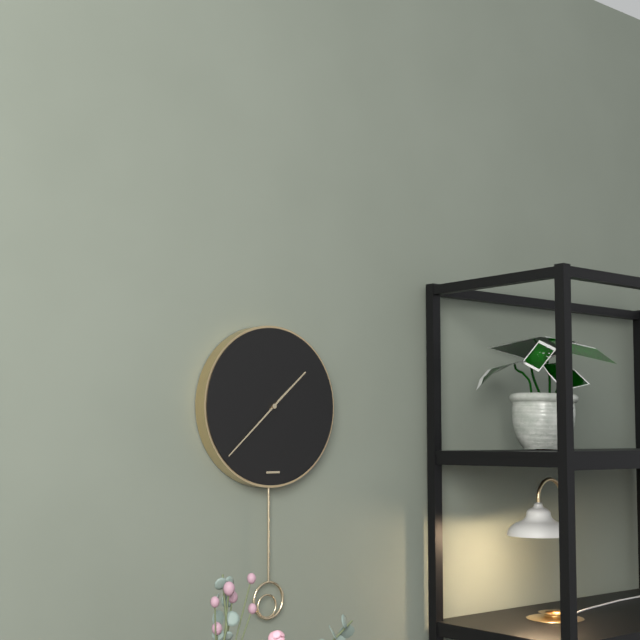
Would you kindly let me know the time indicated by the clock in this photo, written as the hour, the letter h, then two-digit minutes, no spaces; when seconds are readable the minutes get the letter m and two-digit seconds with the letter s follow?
1h38
